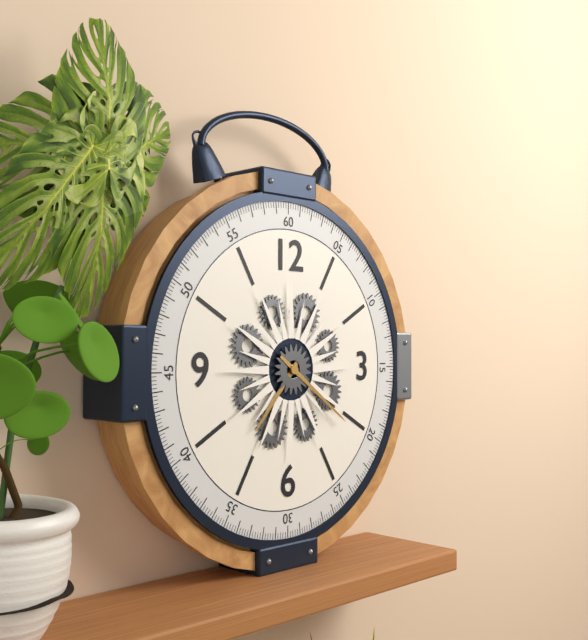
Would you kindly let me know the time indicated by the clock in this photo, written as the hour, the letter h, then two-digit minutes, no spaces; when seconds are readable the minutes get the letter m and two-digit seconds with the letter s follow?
7h21
